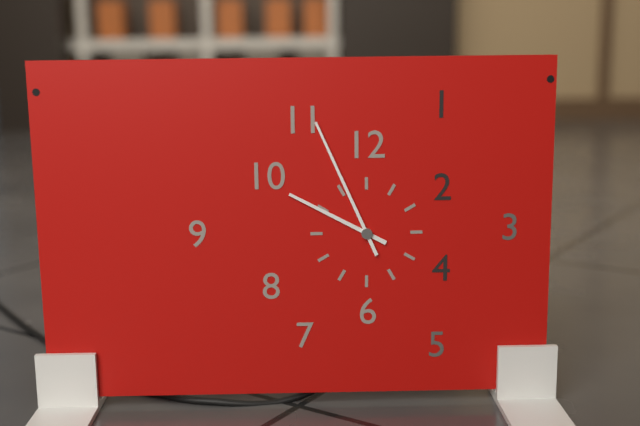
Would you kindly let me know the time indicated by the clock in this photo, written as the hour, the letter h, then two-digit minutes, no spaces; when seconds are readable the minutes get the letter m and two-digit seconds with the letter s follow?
9h56
